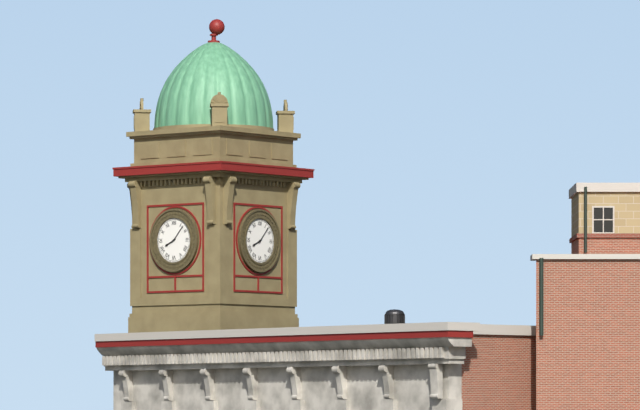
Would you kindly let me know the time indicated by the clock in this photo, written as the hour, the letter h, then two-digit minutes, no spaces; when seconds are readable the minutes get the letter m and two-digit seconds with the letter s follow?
8h07
